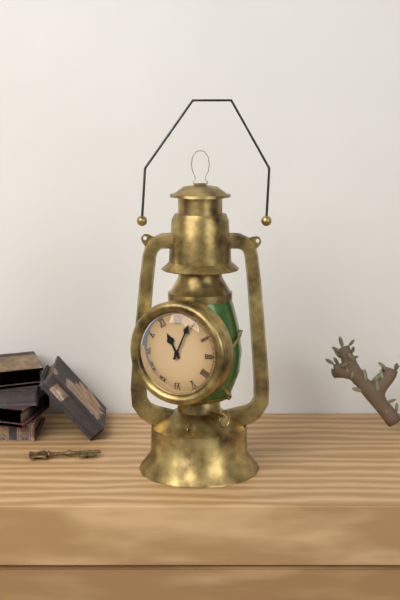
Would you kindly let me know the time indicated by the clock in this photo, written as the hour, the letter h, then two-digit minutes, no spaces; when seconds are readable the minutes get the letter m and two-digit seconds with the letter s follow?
11h04
